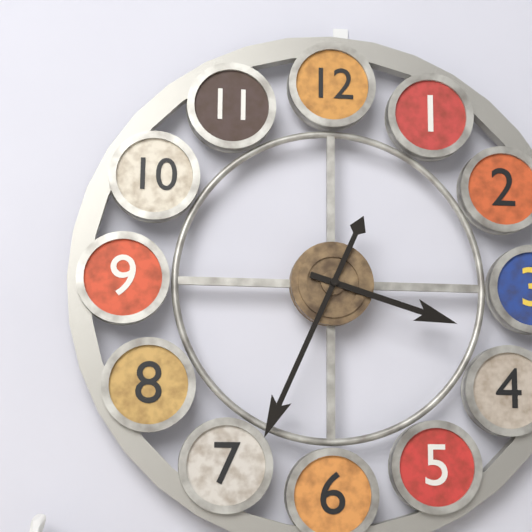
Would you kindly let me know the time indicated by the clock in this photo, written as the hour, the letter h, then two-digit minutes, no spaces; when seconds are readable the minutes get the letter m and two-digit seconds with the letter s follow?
3h34
